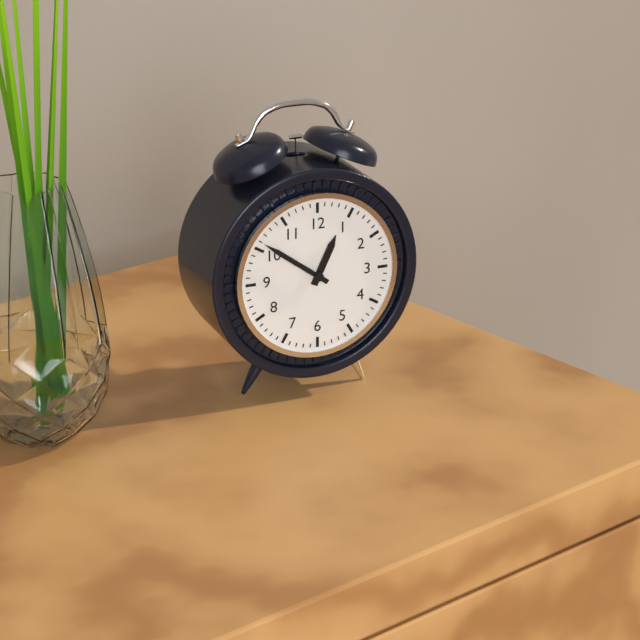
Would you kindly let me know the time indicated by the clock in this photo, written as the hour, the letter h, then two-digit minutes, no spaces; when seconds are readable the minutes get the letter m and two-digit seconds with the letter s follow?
12h51
